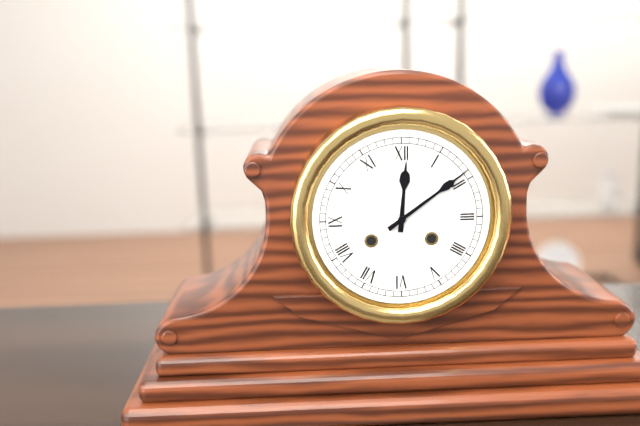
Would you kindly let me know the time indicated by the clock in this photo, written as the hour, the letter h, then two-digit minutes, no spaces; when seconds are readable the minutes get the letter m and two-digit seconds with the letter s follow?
12h09
